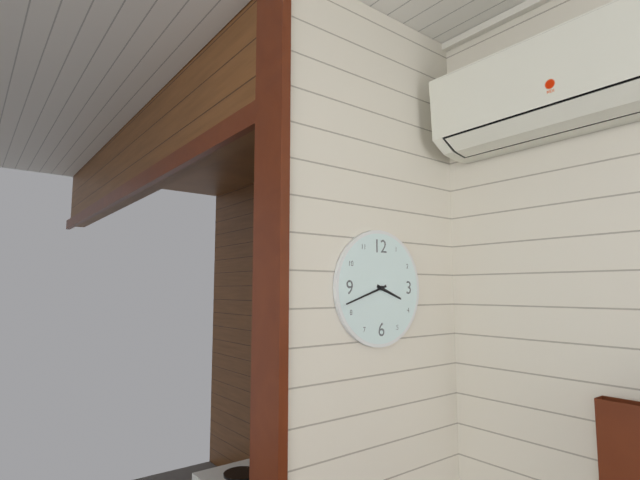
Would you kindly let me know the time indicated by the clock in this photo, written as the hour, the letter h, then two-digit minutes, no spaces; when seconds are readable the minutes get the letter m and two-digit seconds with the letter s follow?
3h42
